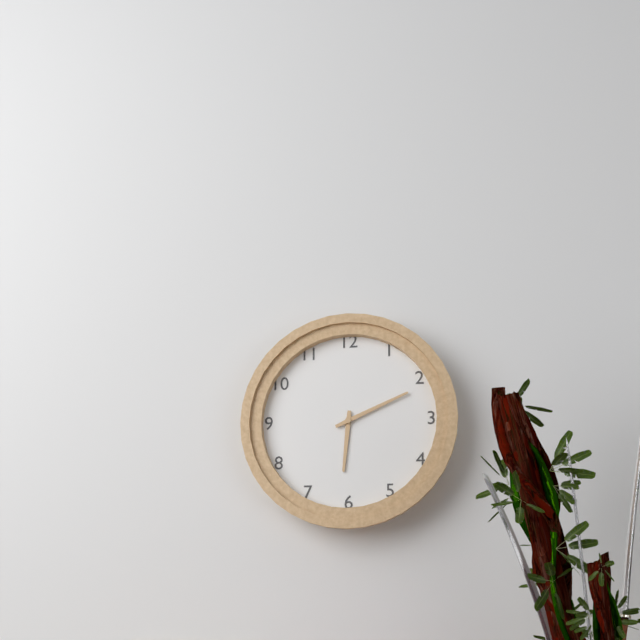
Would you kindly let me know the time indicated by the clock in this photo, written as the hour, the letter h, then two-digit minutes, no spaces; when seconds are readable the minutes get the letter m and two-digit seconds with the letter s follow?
6h11
